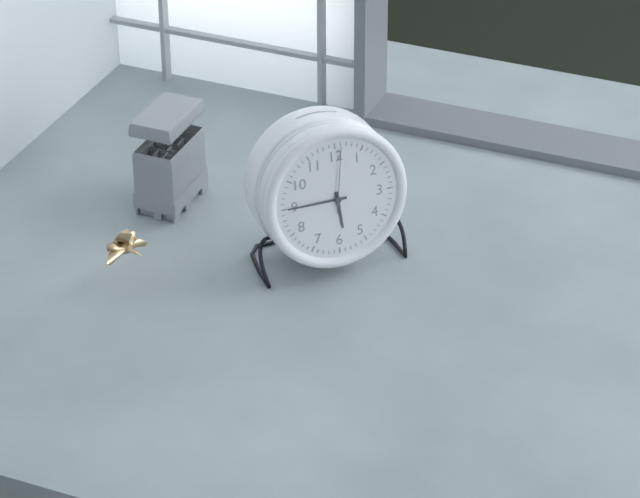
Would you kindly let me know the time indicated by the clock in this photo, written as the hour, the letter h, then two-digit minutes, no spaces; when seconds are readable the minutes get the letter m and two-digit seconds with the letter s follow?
5h45m01s
